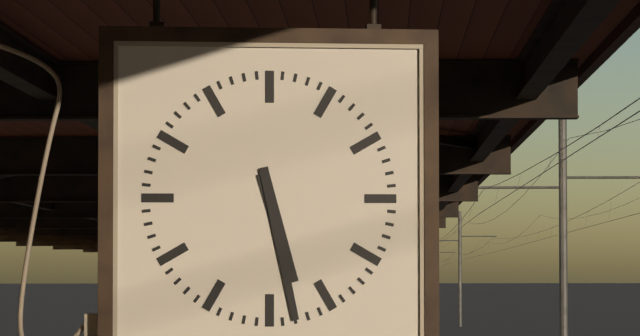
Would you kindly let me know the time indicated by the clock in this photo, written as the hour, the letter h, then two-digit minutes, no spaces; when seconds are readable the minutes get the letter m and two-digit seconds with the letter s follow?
5h28
